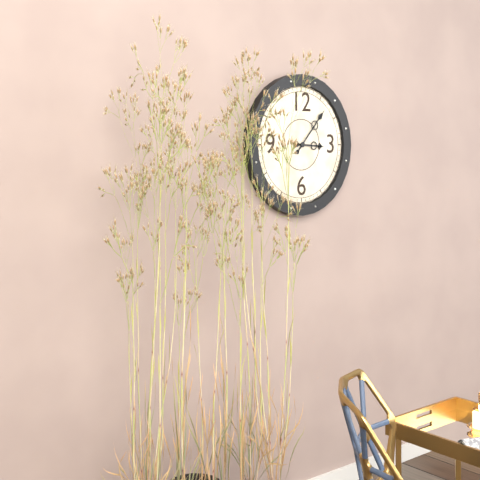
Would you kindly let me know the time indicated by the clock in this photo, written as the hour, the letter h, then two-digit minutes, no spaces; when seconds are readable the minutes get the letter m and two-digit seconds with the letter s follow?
3h07
